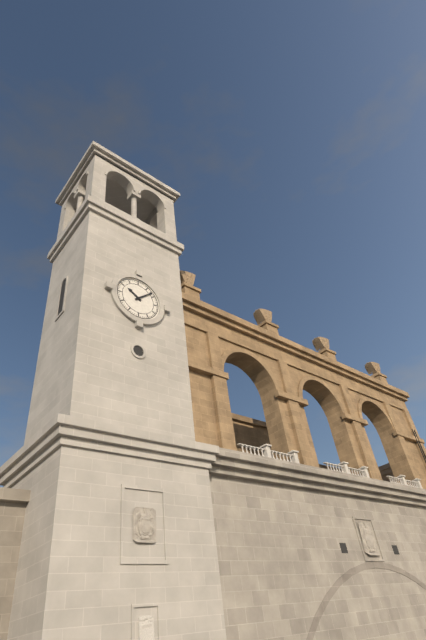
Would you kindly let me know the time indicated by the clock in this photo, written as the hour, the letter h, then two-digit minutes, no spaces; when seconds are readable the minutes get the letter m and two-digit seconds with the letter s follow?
10h08
